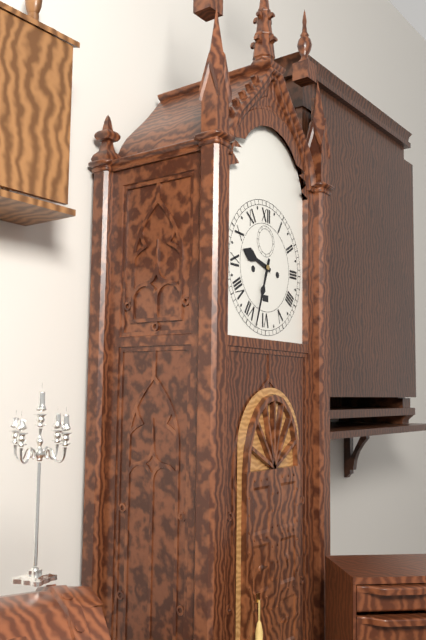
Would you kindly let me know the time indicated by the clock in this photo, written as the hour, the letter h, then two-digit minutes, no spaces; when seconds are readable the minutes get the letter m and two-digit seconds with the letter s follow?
9h33
